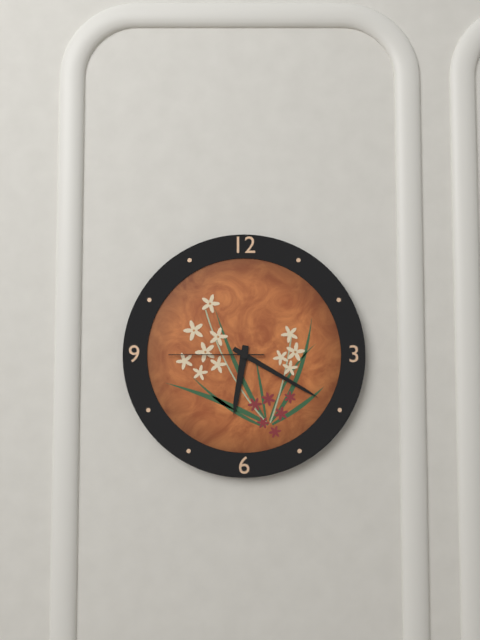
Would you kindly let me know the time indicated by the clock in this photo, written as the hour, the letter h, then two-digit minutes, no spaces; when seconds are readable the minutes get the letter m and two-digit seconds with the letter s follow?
6h20m45s
